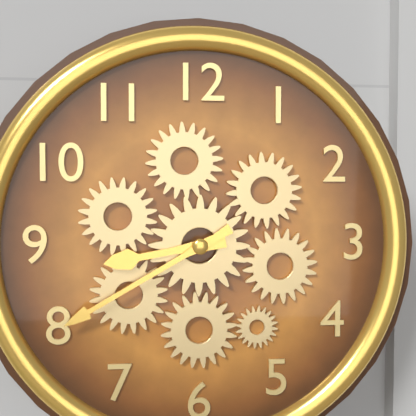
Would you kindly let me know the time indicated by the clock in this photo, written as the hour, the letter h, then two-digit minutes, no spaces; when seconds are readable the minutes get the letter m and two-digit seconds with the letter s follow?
8h40
